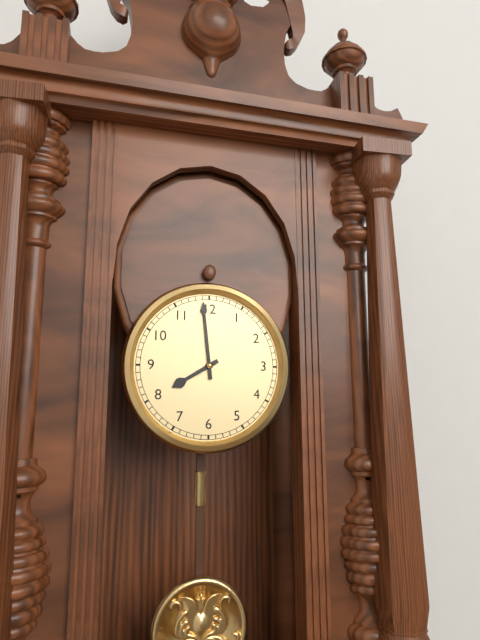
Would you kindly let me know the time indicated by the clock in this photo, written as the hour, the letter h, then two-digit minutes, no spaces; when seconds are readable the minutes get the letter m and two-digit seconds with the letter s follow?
7h59
